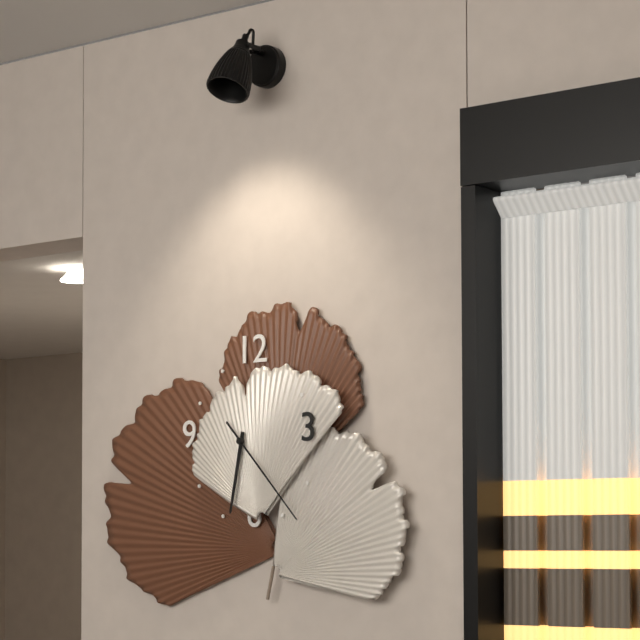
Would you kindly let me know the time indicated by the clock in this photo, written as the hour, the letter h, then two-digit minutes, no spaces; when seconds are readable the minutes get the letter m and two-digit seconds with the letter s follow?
6h23
